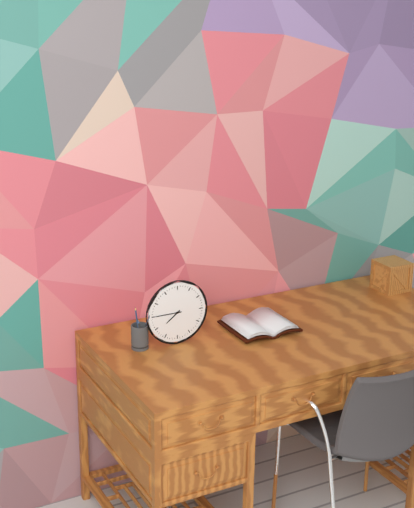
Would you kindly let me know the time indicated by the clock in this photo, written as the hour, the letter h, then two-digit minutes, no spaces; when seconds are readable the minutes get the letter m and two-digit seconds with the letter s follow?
7h45
